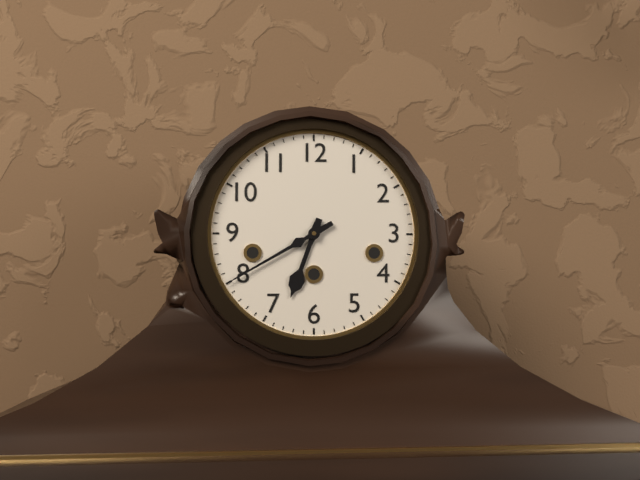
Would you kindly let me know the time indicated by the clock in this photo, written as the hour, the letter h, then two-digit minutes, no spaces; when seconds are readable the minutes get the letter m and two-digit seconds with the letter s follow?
6h40
